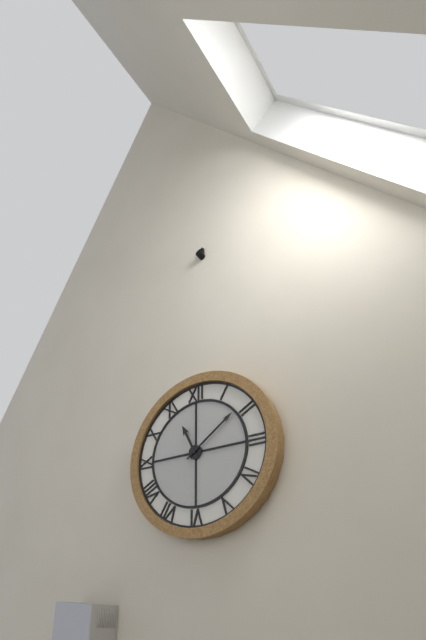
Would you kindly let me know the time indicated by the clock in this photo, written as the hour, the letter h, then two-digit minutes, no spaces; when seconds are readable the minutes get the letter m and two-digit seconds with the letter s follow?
11h09
